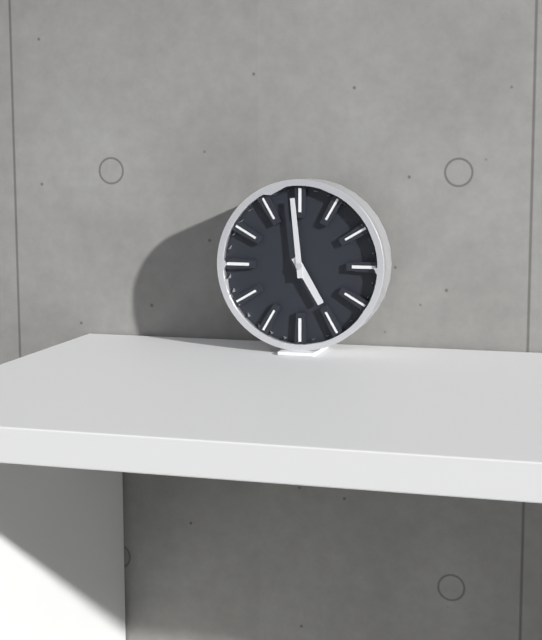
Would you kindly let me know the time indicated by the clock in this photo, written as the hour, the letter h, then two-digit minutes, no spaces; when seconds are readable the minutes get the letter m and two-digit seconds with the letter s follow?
4h59
